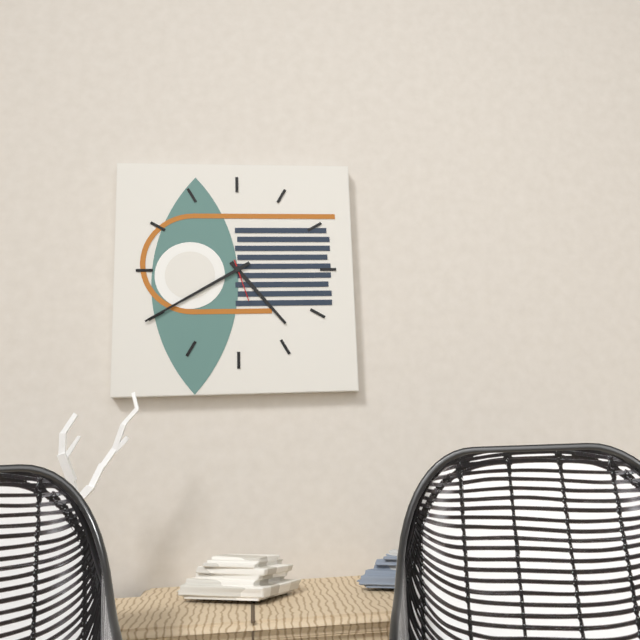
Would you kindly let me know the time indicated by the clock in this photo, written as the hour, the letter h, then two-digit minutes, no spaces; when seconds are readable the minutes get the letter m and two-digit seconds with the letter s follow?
4h40
